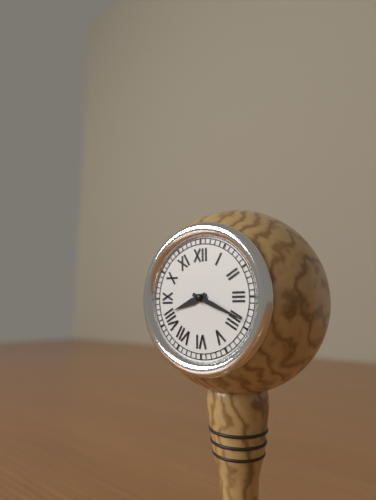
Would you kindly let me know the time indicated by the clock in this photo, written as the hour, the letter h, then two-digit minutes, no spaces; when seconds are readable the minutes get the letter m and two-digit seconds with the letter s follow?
8h19
